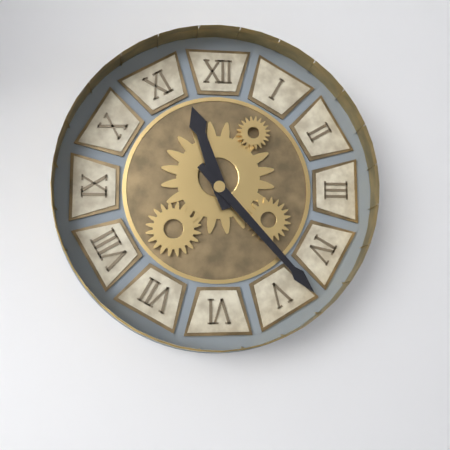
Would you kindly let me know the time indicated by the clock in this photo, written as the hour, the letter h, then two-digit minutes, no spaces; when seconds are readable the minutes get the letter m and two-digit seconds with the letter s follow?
11h23
